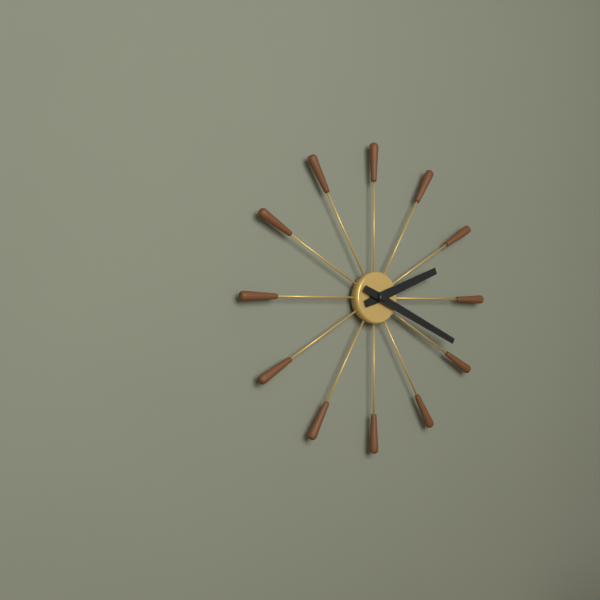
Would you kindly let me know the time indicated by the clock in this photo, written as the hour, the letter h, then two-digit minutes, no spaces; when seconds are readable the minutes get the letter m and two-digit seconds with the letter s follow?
2h19
